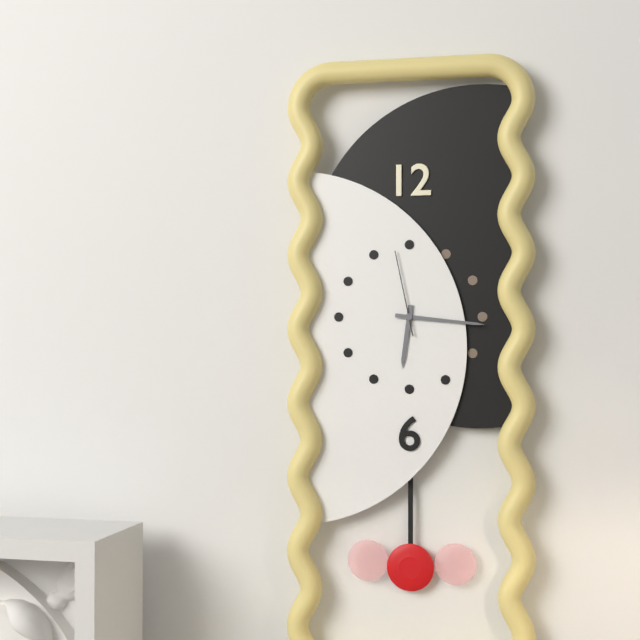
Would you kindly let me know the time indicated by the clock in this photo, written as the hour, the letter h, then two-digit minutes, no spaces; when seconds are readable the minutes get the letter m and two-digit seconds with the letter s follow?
6h16m58s
